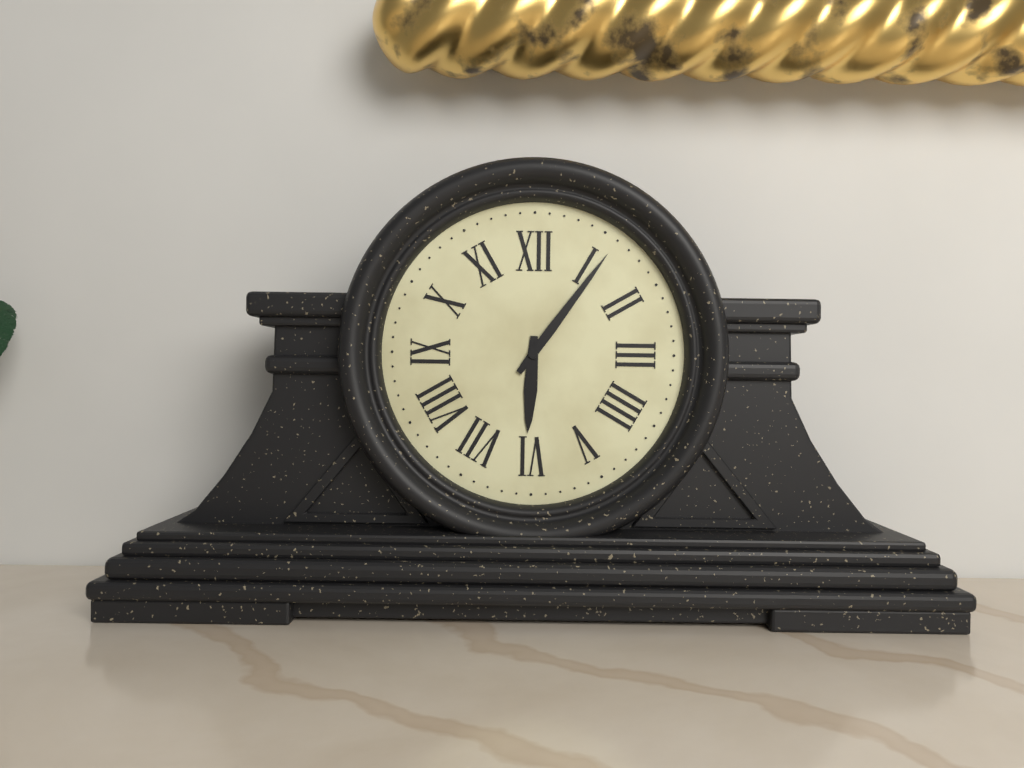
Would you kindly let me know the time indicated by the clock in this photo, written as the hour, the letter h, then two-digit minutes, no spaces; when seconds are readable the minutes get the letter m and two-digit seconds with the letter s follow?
6h06
